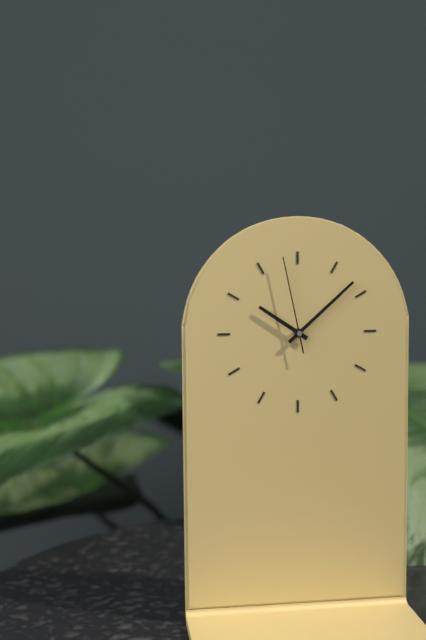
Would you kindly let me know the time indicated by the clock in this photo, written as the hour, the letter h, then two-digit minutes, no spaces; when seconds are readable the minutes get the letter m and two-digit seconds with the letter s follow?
10h08m58s
